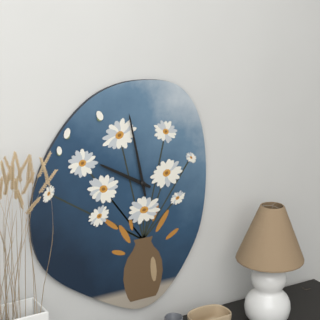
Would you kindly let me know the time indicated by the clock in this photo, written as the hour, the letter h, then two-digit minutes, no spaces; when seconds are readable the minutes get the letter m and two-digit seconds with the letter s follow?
9h58
